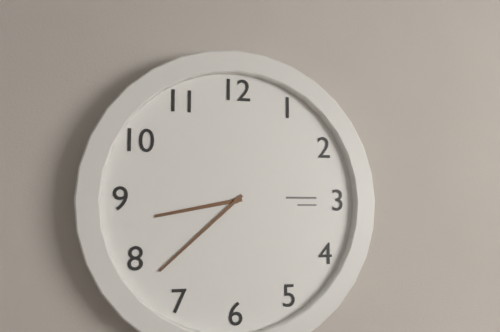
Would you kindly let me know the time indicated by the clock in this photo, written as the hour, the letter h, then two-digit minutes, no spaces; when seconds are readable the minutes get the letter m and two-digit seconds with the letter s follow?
8h38
